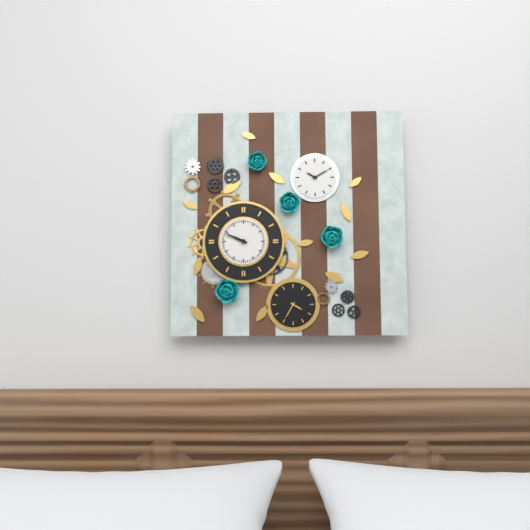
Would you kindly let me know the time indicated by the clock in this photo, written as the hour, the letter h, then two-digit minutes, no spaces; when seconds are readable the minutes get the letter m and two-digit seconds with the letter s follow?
9h49
